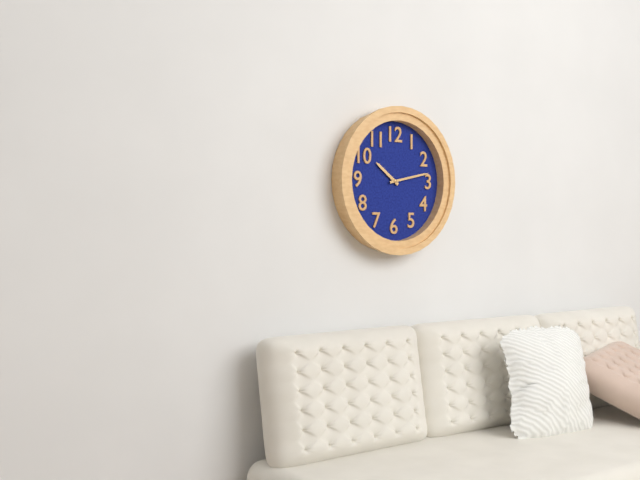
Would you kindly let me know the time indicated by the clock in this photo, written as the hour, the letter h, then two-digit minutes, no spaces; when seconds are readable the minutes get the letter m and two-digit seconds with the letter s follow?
10h13
